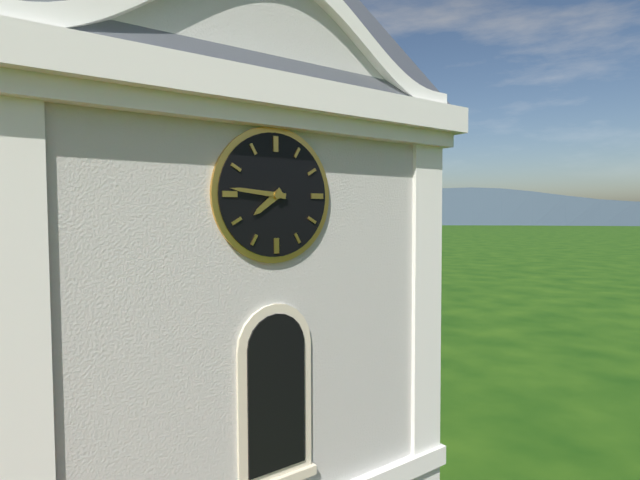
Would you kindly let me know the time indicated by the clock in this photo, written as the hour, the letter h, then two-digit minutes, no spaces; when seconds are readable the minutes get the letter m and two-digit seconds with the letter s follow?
7h46
